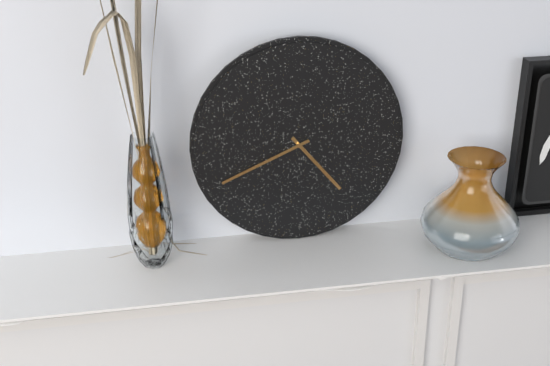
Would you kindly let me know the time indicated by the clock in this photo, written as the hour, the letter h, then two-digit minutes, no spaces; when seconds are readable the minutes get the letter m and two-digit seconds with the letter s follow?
4h41
